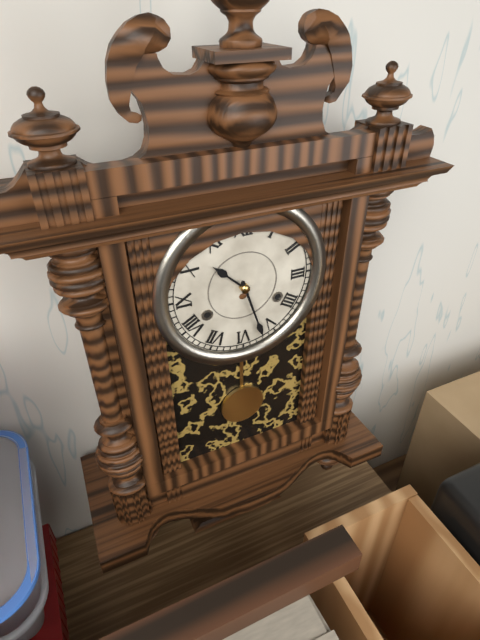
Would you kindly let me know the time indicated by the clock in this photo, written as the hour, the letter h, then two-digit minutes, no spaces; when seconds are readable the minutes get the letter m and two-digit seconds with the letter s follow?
10h27
